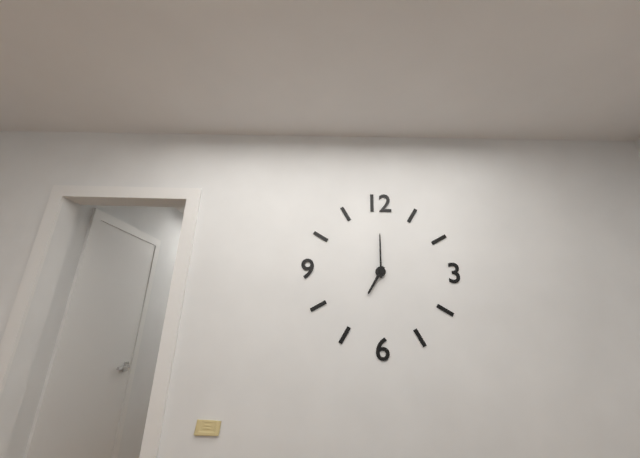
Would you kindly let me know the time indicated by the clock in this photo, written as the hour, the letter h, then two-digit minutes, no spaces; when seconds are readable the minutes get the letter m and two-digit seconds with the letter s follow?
7h00
